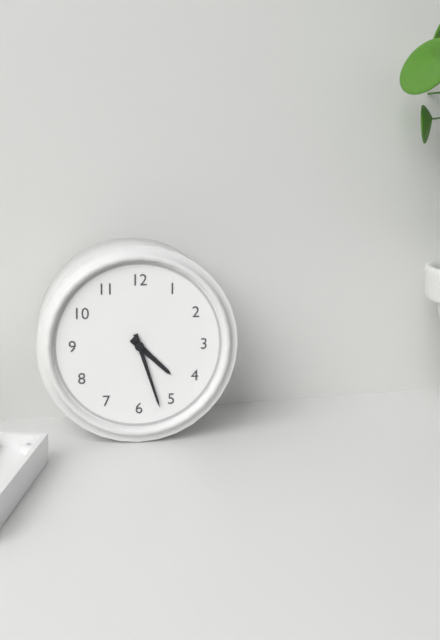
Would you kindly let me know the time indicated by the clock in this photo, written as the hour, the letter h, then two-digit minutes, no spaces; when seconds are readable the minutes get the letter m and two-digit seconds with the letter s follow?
4h27
